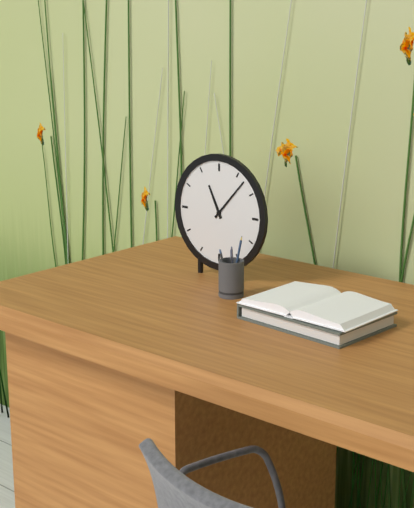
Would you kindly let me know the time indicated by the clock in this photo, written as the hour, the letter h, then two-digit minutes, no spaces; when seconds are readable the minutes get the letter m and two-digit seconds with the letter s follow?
11h07
